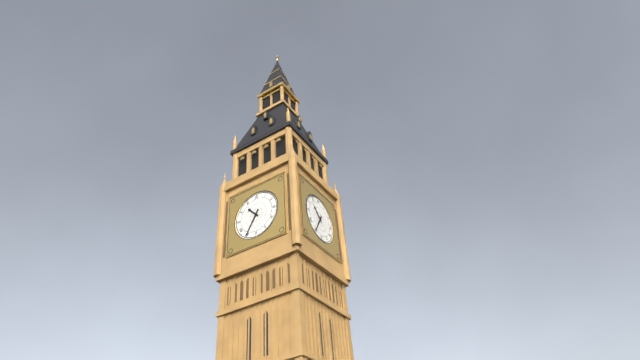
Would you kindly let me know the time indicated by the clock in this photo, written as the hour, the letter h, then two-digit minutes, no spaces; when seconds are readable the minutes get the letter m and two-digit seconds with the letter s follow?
10h35
